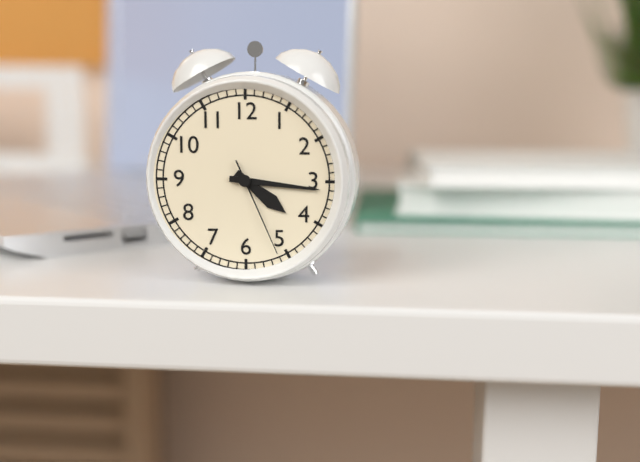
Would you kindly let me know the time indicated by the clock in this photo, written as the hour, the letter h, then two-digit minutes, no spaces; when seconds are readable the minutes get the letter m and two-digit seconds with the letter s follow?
4h16m26s
